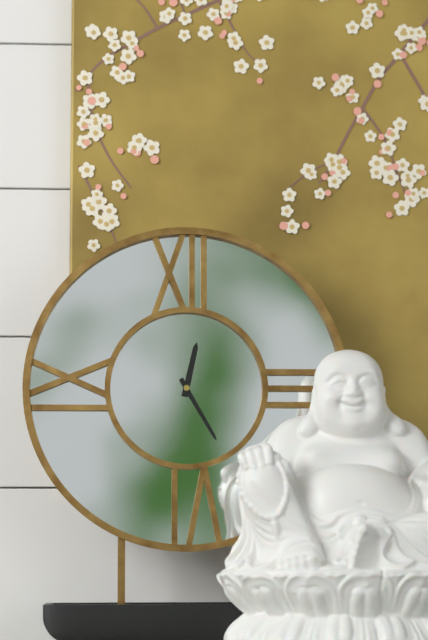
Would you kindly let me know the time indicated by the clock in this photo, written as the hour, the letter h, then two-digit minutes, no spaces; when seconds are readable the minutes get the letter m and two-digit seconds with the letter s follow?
12h25
